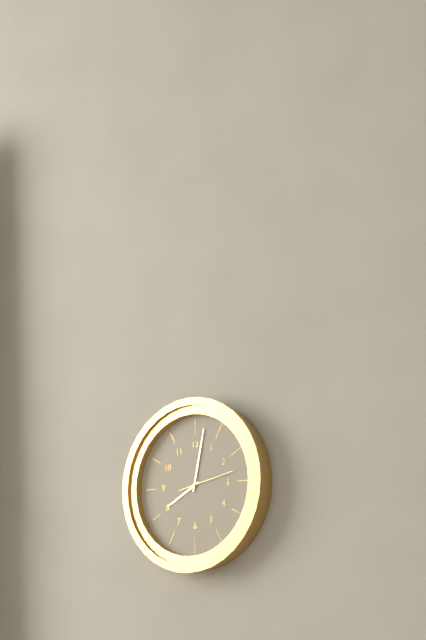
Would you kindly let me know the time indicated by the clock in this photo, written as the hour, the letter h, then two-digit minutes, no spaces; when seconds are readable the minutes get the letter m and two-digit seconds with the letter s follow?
8h02m13s
